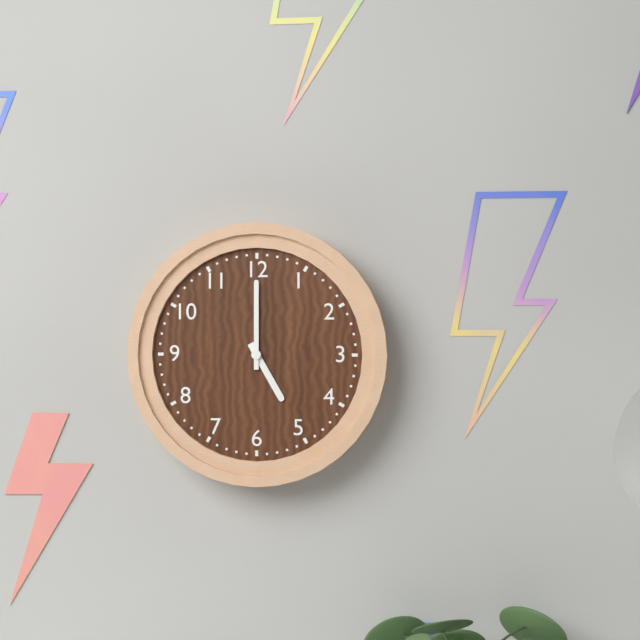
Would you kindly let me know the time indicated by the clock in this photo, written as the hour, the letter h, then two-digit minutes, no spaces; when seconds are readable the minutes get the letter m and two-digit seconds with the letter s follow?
5h00
